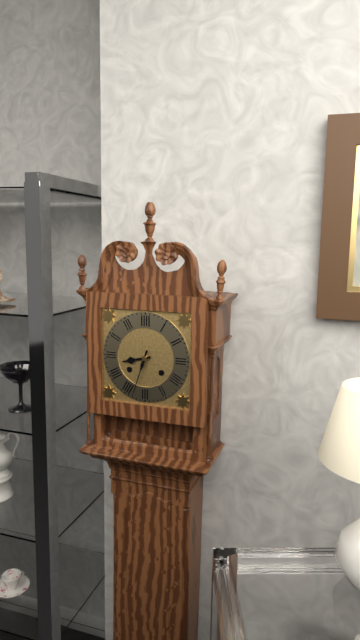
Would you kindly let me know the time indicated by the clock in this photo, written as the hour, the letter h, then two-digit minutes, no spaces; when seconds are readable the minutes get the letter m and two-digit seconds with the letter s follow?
8h33
